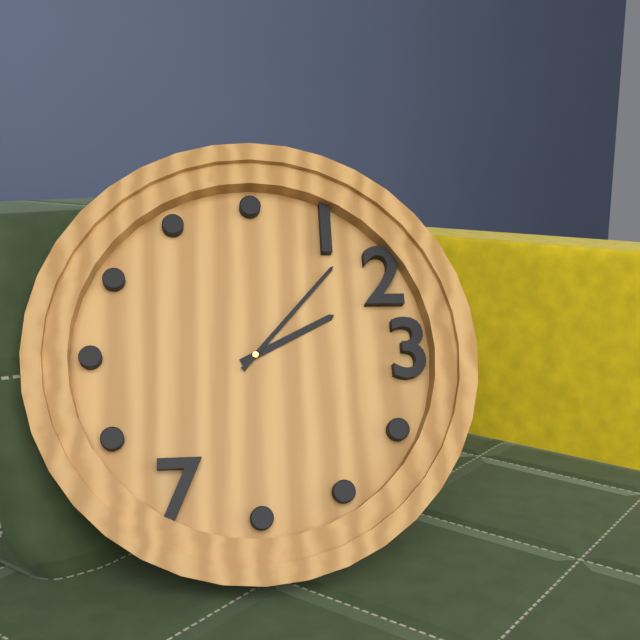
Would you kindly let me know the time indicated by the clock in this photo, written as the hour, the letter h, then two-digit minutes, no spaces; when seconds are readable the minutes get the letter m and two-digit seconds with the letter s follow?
2h07
